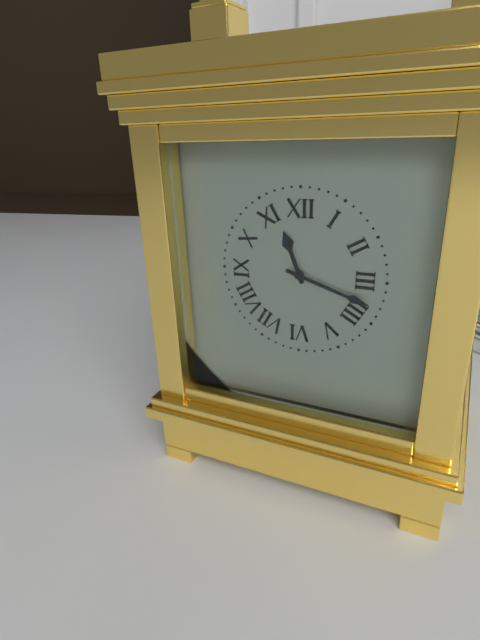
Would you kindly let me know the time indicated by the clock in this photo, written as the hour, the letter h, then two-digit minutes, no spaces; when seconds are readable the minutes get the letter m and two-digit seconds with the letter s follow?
11h18
